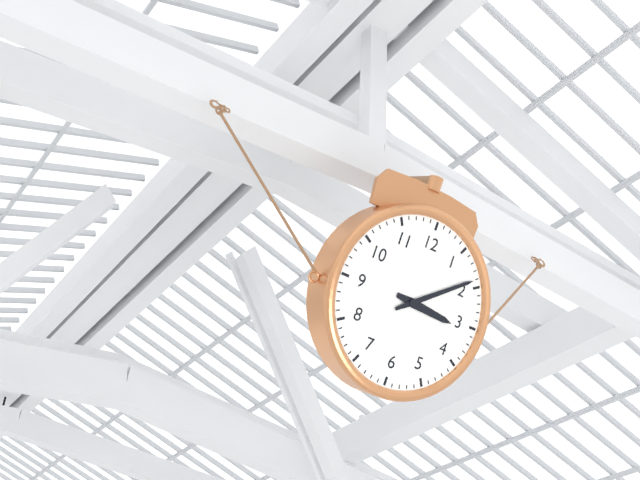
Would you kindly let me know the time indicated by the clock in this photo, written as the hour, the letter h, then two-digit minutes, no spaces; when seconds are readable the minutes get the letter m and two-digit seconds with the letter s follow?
3h09
